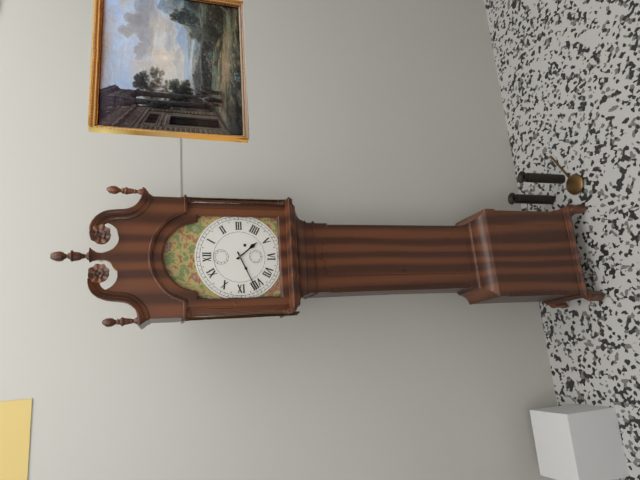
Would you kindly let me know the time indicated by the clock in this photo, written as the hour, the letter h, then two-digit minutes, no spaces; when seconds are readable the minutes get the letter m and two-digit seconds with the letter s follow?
4h41
